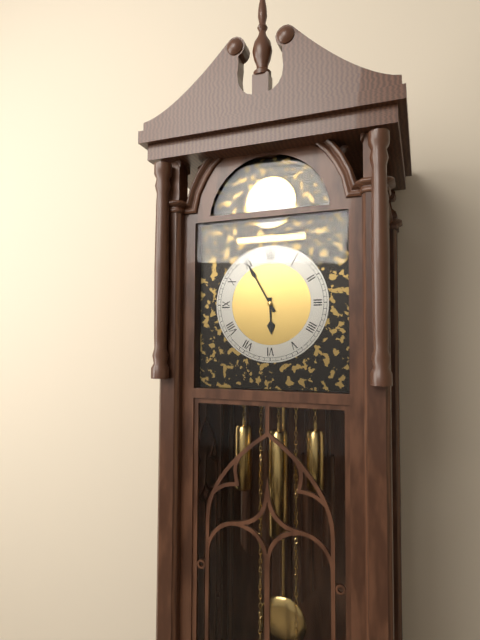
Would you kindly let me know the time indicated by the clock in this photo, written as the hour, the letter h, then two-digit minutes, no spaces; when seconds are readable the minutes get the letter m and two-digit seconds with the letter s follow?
5h55
